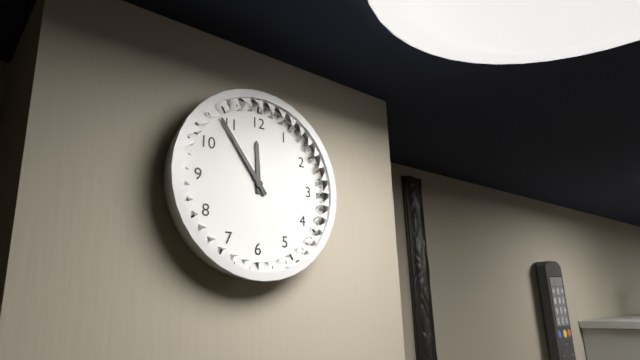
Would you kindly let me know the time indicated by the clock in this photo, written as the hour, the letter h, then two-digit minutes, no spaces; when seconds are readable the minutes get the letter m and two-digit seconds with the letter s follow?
11h54
